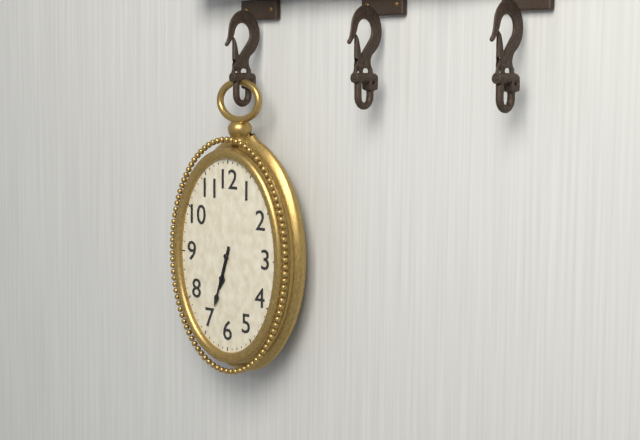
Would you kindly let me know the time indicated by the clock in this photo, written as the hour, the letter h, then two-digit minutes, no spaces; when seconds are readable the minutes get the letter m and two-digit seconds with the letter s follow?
6h33
